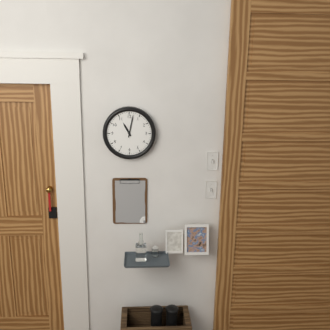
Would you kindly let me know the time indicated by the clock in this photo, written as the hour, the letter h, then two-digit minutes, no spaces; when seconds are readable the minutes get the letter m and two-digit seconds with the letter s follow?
11h02
